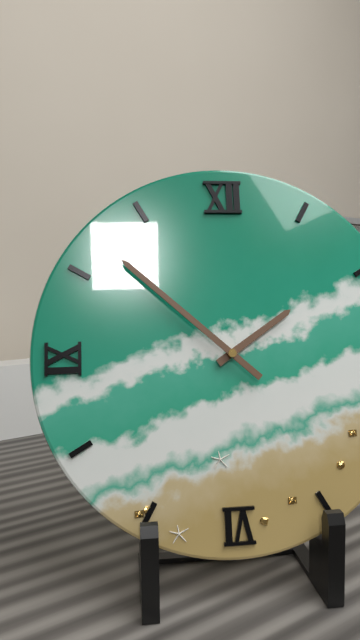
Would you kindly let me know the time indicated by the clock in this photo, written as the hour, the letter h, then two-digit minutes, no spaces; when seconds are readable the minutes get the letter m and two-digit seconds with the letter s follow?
1h52
